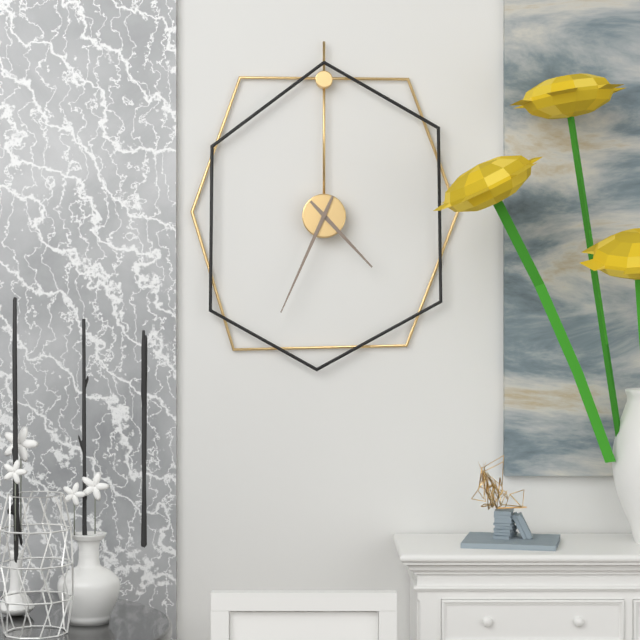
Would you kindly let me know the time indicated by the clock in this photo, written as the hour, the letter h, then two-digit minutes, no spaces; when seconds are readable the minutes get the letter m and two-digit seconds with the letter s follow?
4h34
